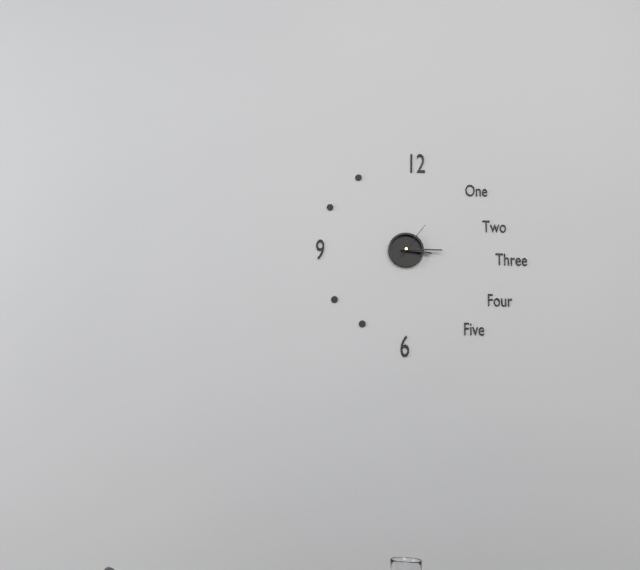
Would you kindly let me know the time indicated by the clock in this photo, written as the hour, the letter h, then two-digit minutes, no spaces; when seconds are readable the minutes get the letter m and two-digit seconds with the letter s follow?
3h15
